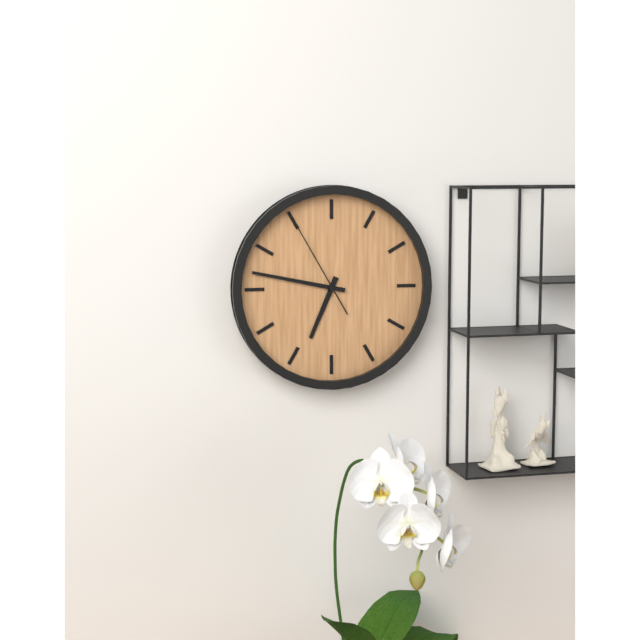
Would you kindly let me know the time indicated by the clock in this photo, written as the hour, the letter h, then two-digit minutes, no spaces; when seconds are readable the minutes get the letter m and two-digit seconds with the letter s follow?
6h47m55s
